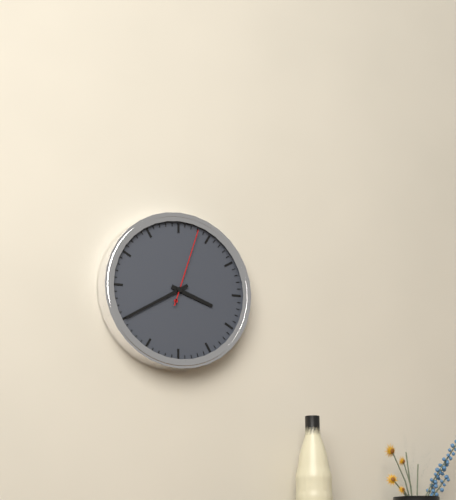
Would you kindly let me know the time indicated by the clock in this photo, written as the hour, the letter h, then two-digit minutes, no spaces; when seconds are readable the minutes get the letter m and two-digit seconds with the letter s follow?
3h40m03s
